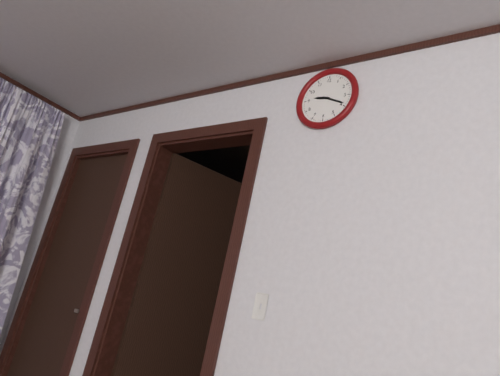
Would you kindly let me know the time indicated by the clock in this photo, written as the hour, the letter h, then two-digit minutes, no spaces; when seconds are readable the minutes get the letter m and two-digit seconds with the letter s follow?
9h19
